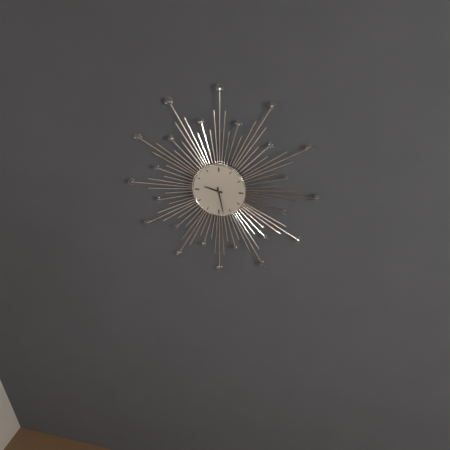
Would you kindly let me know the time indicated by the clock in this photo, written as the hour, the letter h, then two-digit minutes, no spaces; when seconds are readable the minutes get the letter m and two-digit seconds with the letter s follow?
9h28
